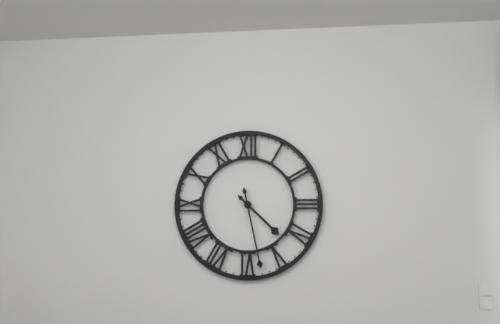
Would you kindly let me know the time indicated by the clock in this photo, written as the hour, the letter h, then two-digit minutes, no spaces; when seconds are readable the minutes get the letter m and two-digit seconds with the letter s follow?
4h28
